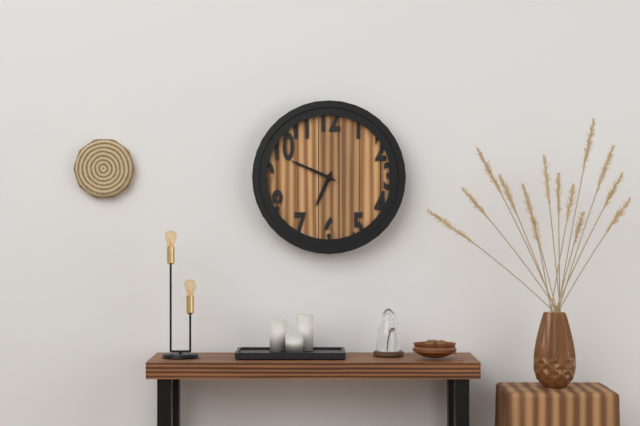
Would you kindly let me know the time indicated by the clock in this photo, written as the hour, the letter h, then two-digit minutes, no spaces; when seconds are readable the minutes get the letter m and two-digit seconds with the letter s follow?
6h49
